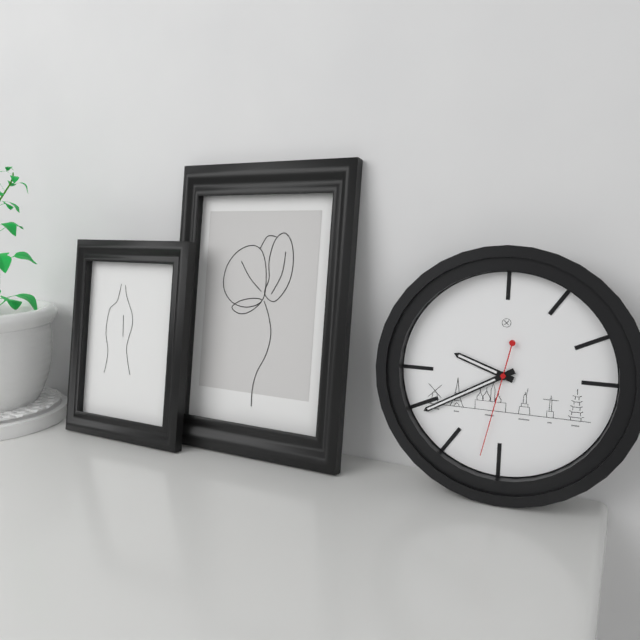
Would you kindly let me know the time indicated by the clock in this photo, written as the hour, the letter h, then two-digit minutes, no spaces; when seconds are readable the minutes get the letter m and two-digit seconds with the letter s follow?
9h40m32s
